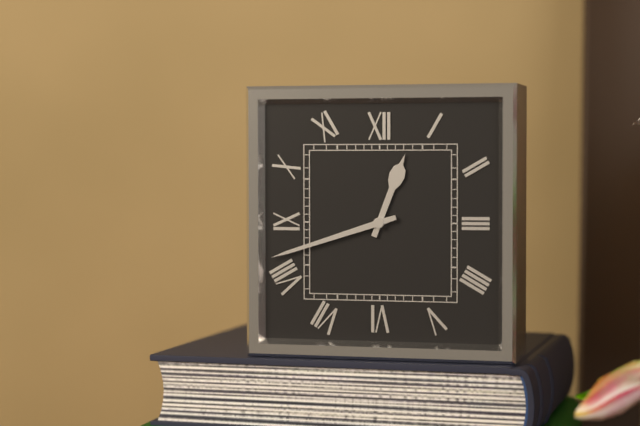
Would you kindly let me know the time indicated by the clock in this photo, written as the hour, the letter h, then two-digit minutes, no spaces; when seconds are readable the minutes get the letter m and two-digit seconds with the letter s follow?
12h42
